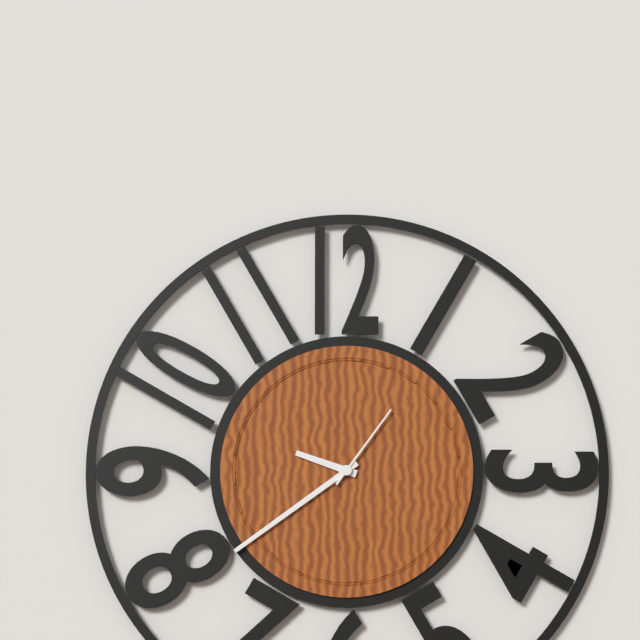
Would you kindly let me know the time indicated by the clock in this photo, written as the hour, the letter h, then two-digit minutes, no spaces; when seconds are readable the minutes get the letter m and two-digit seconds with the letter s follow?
9h39m06s
